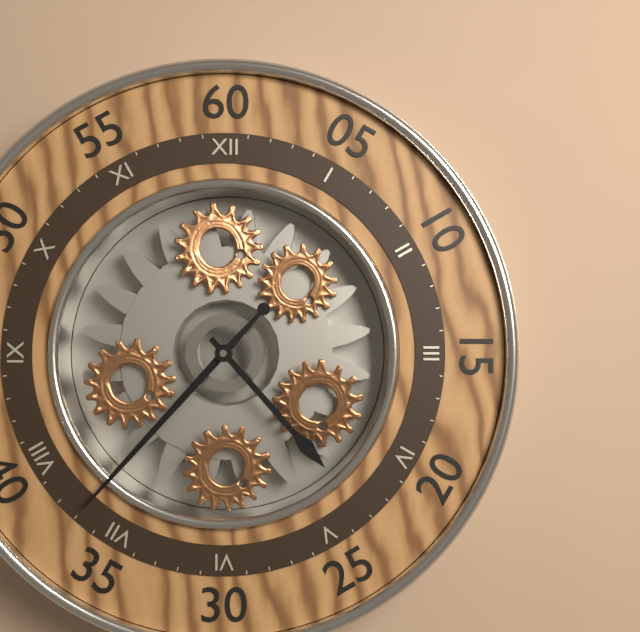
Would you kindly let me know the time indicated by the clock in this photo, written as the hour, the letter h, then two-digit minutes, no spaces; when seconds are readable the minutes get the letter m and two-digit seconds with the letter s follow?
4h37
